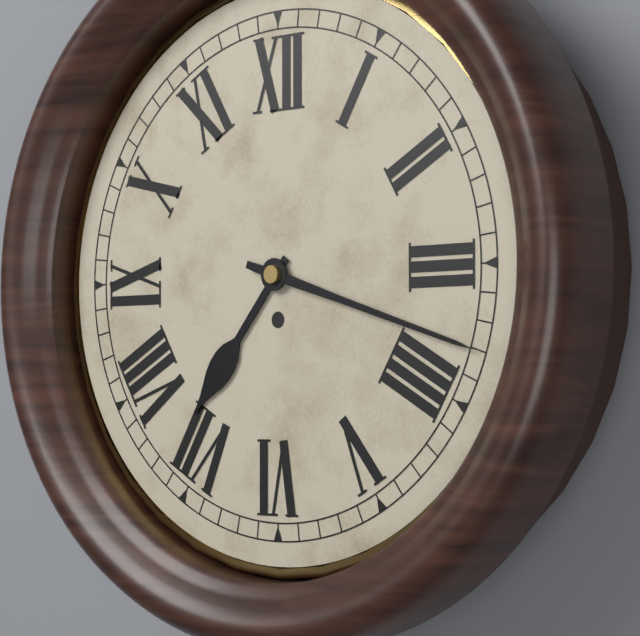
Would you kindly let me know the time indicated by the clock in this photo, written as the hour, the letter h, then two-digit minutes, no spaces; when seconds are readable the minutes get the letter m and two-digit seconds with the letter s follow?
7h18
